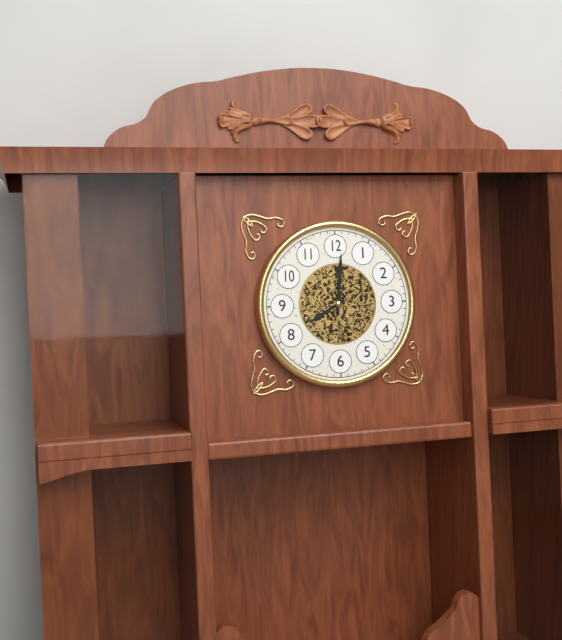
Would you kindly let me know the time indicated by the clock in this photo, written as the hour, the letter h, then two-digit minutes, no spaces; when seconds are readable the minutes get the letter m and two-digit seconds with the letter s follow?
8h01
